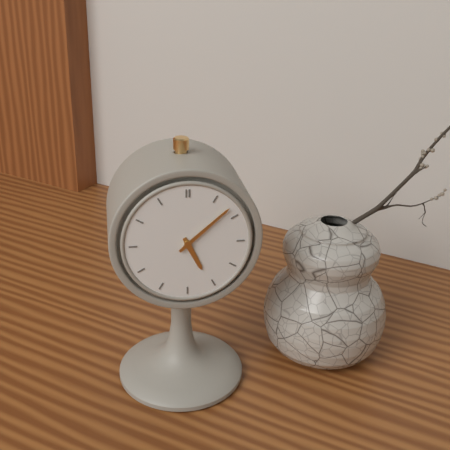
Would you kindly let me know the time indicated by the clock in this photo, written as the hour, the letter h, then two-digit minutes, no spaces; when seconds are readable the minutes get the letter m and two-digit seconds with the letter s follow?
5h08
